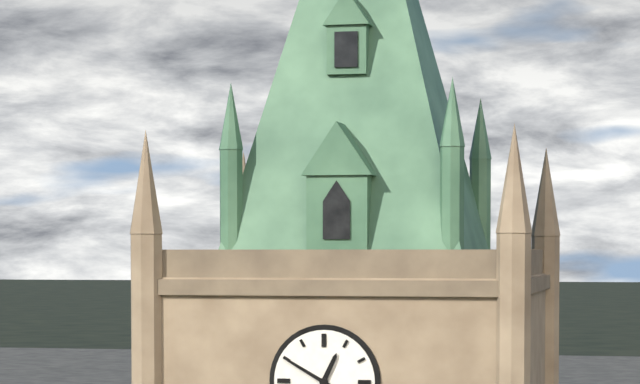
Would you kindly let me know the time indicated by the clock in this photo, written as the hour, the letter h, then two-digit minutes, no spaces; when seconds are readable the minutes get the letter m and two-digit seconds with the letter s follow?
12h50
